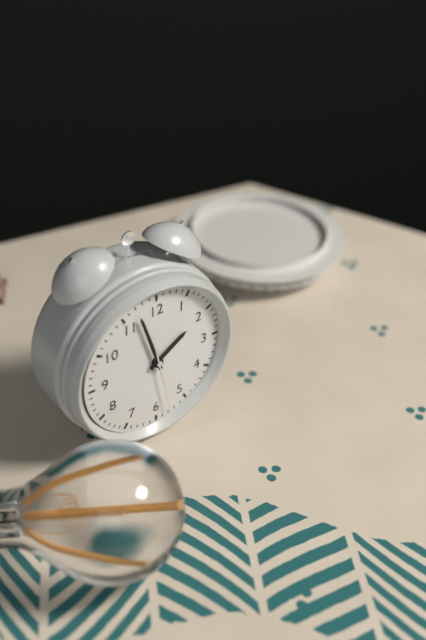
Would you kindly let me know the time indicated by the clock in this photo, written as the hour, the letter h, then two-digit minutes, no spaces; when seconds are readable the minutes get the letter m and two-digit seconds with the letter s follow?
1h57m28s
